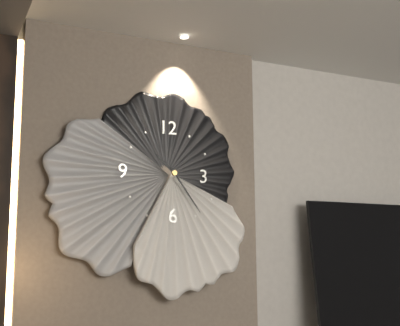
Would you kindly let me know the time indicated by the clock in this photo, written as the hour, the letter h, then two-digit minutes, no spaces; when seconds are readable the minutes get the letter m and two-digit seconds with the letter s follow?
10h24
